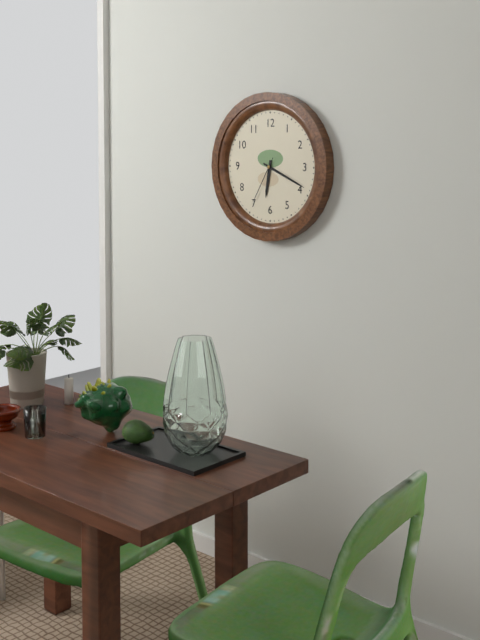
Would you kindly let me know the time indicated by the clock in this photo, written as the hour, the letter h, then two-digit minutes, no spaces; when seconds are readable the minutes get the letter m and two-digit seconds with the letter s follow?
6h19
